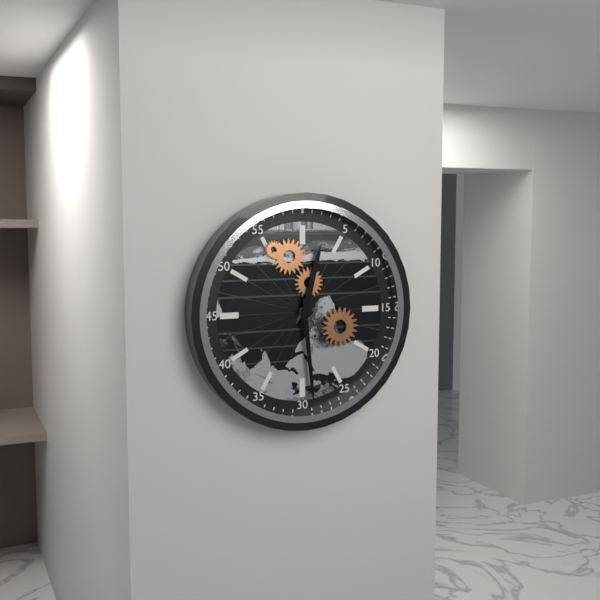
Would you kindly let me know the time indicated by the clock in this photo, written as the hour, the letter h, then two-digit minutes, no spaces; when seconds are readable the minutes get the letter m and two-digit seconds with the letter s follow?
12h29
